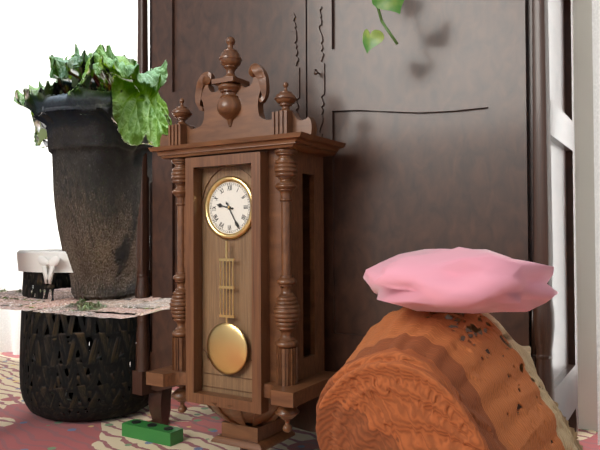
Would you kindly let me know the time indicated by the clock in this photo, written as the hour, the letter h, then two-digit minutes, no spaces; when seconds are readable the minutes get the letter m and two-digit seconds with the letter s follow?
9h25
